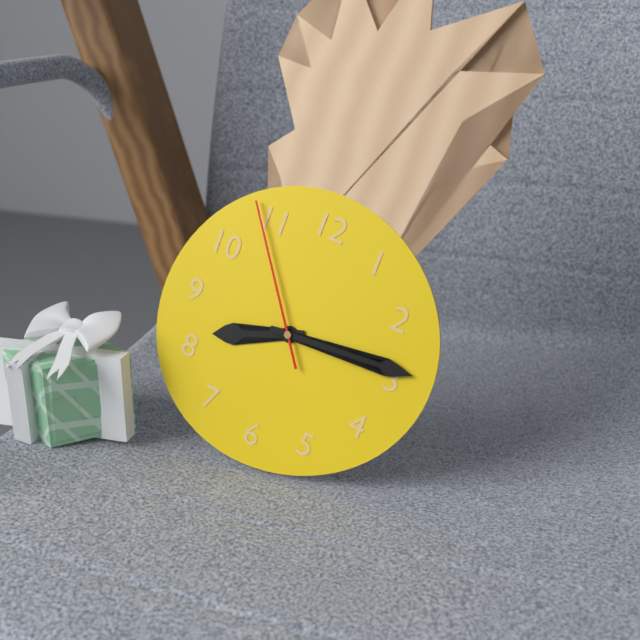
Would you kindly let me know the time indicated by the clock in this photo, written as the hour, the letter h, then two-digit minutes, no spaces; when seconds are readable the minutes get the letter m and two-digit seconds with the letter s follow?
8h14m54s
